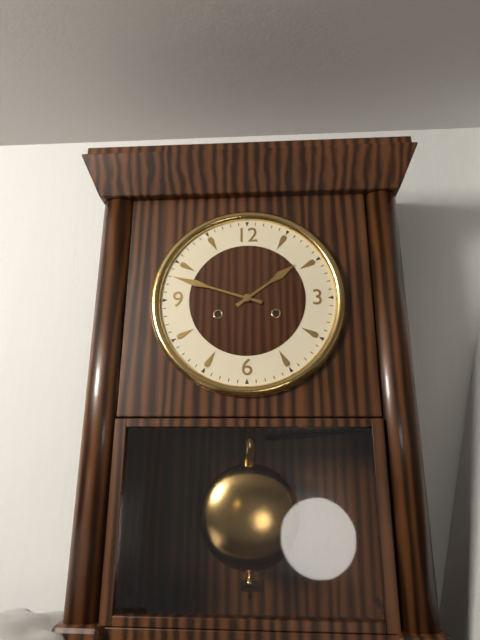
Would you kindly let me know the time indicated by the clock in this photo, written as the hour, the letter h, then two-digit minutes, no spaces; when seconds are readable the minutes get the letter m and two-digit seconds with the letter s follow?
1h48
